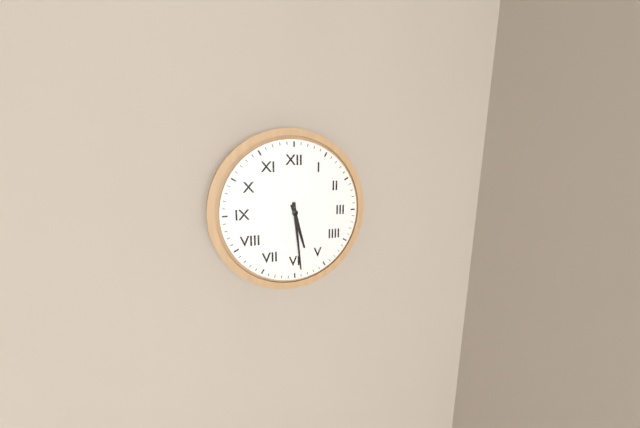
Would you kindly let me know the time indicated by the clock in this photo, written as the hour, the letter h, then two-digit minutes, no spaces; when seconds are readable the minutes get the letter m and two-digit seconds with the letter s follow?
5h29
